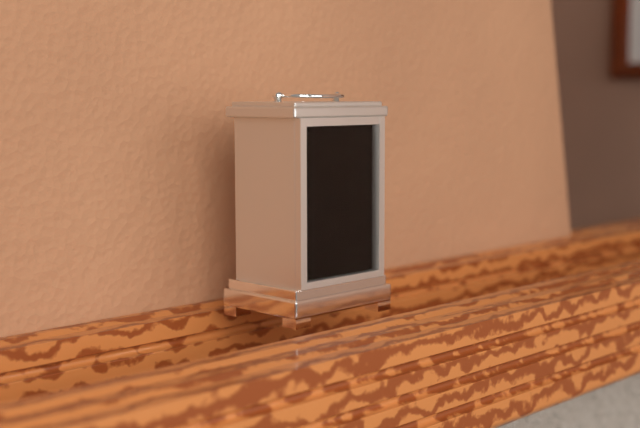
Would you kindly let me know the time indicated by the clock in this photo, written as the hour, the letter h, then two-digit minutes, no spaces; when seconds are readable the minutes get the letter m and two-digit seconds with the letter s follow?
10h40
